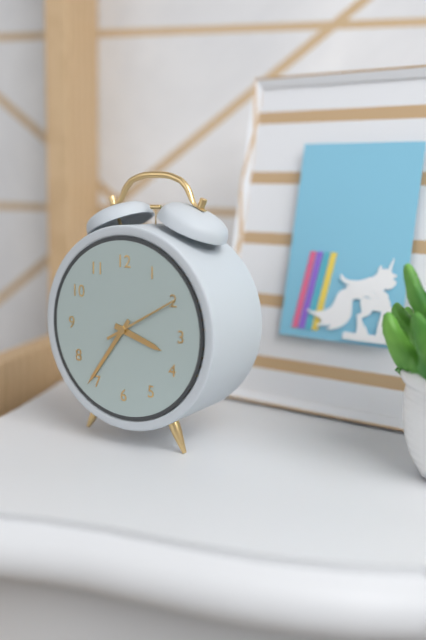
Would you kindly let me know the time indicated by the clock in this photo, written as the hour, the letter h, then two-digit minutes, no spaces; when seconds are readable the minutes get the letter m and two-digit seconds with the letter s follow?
3h36m10s
